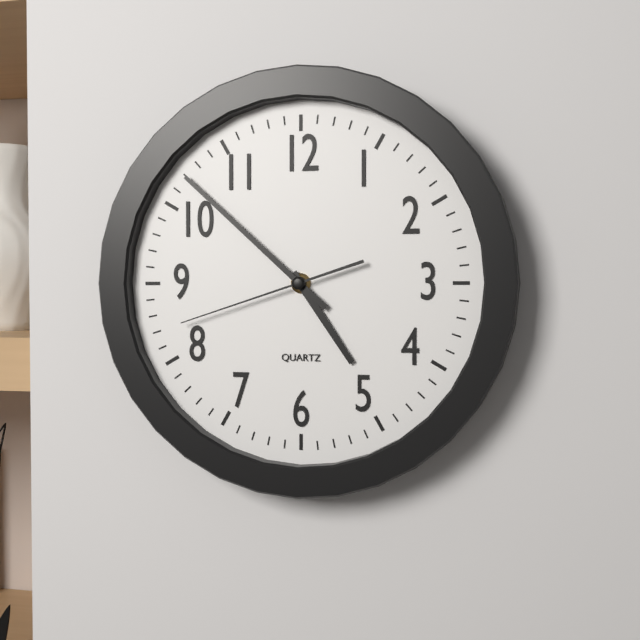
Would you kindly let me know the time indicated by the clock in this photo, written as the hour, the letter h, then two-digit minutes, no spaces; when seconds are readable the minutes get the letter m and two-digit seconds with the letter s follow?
4h52m42s
